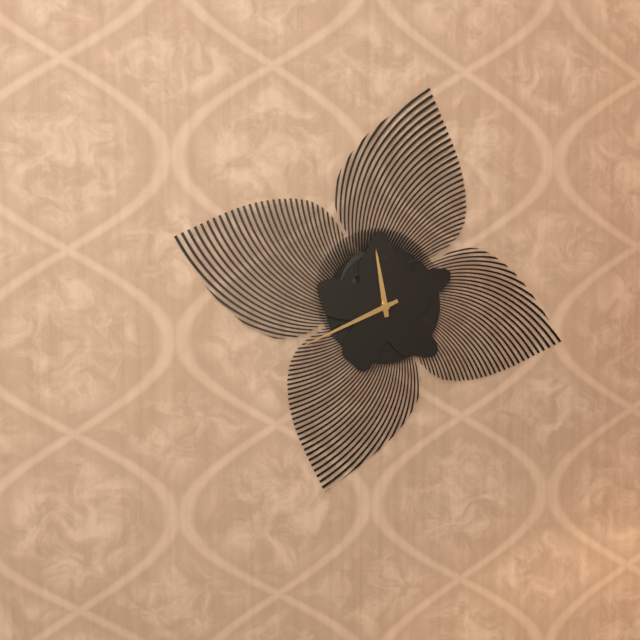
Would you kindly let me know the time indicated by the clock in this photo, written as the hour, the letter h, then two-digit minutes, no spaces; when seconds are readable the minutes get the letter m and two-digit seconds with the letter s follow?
11h41
